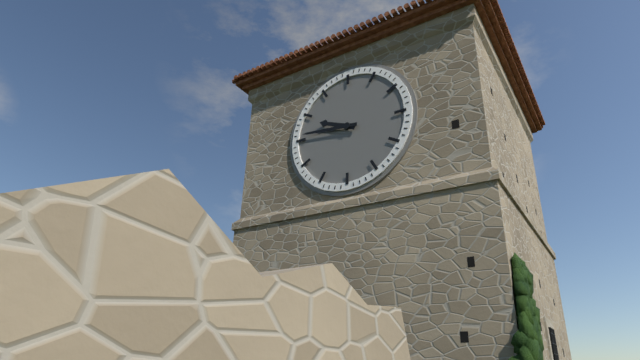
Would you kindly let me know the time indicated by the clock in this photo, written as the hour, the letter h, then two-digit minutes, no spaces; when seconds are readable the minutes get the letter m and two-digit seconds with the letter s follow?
9h46
